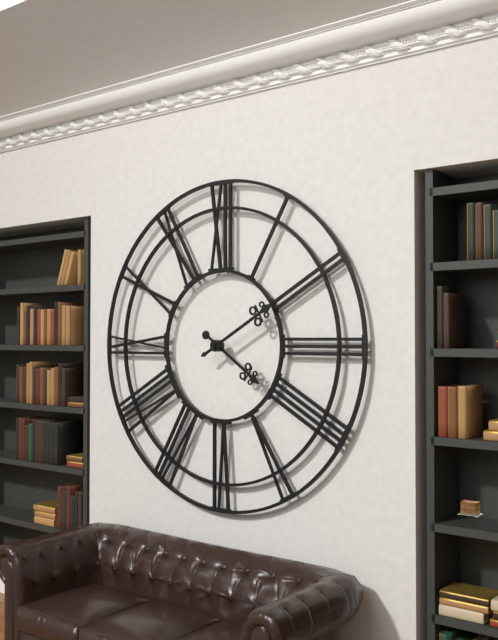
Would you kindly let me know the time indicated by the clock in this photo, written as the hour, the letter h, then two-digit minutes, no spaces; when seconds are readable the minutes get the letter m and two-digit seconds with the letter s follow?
4h10
